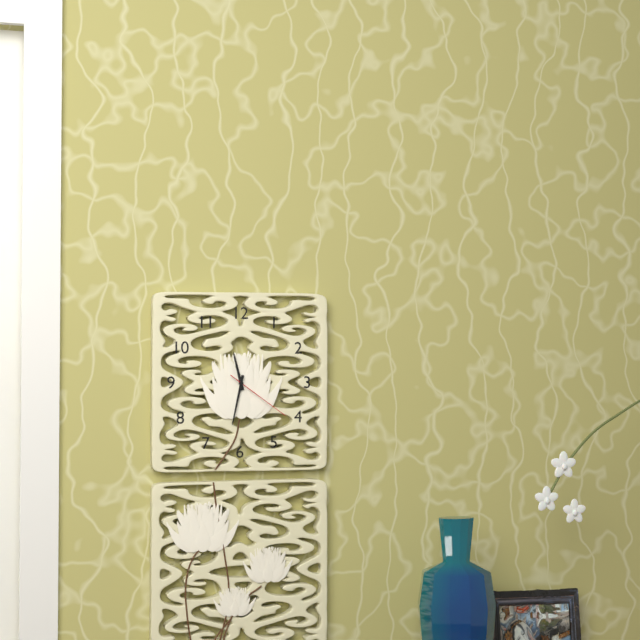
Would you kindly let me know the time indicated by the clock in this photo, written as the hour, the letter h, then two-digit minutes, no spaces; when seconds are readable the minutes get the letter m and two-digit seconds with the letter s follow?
11h32m21s
